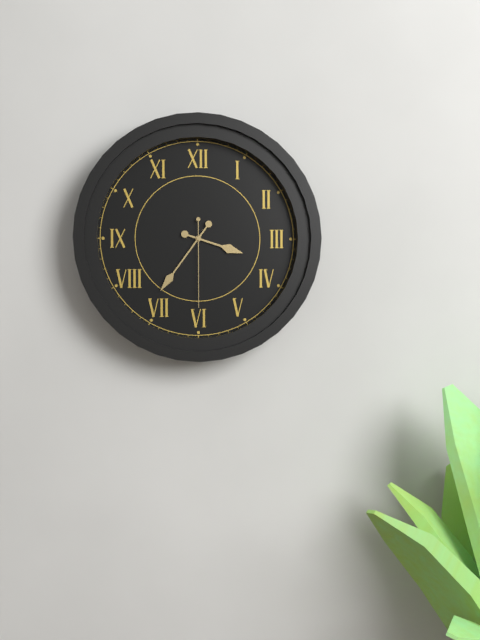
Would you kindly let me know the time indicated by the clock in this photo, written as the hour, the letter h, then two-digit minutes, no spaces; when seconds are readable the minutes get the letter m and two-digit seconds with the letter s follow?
3h36m30s
